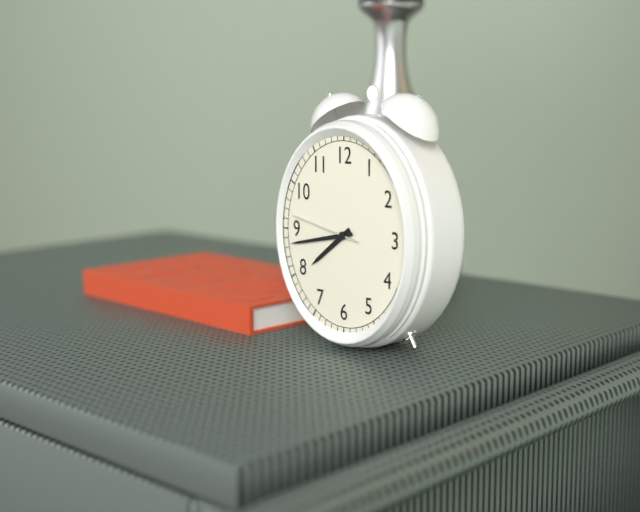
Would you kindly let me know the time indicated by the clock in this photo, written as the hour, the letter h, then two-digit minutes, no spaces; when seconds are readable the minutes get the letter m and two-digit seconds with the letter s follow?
7h43m47s
